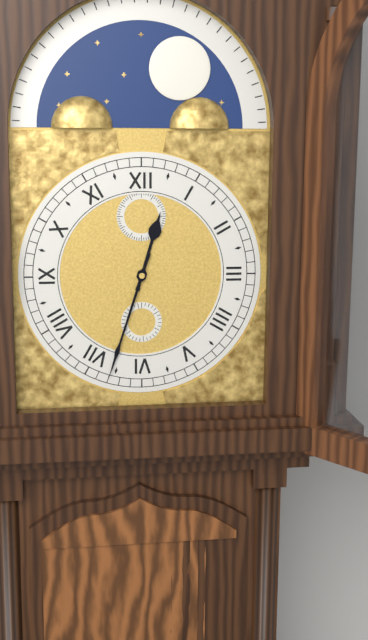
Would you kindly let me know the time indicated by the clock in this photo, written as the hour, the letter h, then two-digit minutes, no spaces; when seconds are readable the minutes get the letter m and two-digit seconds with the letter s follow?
12h33
